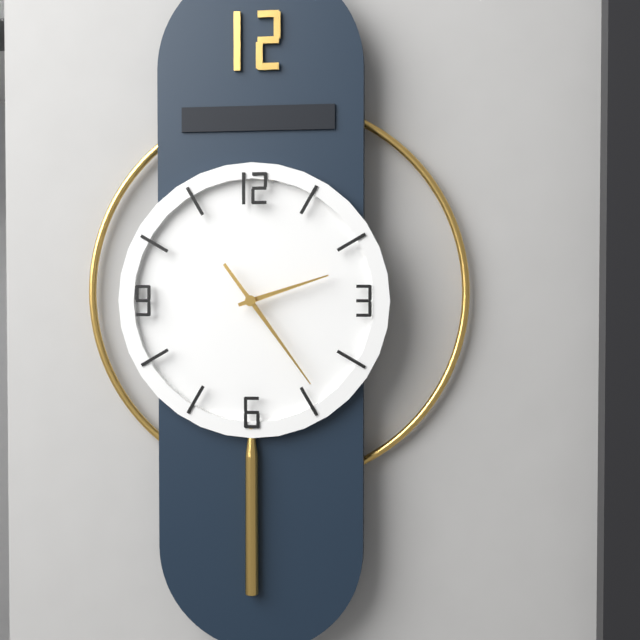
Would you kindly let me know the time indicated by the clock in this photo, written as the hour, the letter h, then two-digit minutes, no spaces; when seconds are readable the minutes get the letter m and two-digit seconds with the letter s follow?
2h24m54s
